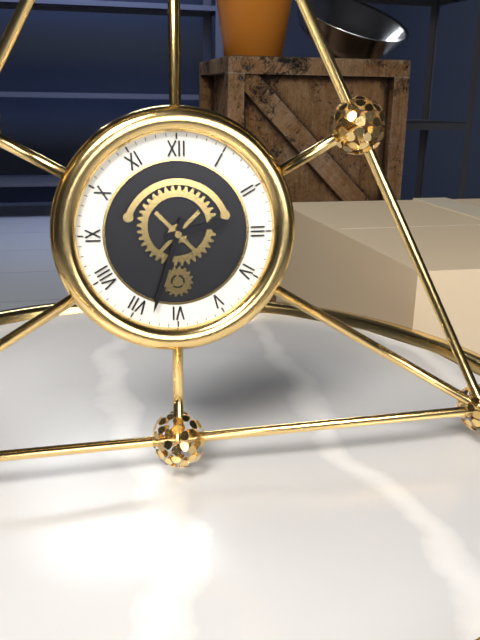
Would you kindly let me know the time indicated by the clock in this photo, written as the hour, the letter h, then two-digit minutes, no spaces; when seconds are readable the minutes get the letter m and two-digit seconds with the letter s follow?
2h33
